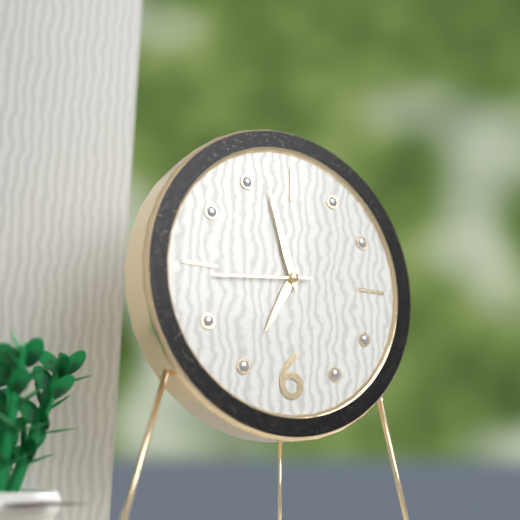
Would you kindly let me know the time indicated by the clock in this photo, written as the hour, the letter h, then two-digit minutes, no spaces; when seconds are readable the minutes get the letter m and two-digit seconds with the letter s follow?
6h57m44s
